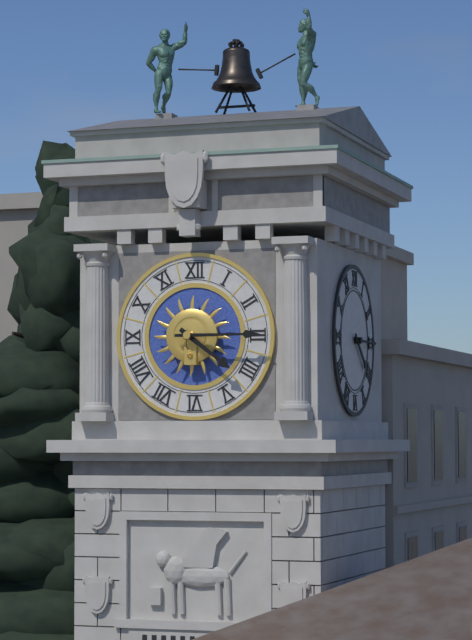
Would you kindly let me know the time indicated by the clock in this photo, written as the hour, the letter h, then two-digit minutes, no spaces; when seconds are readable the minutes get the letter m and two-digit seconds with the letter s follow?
4h15
